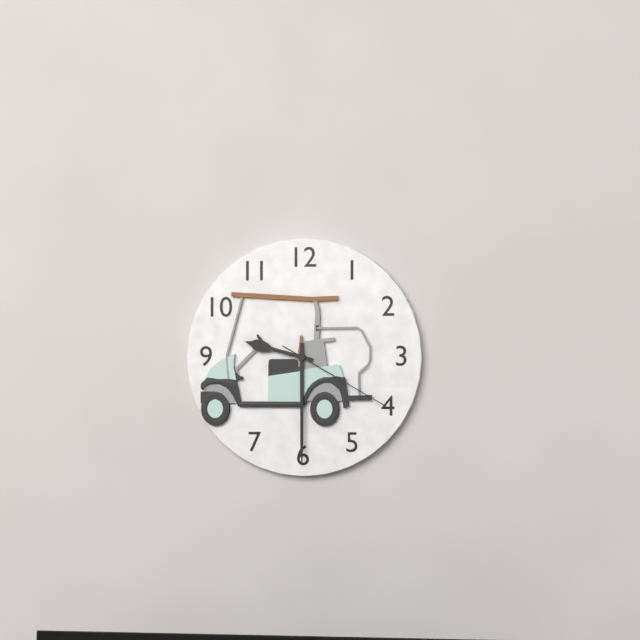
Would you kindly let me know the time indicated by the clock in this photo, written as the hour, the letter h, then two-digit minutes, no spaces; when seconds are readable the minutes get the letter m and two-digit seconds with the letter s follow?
9h30m20s
